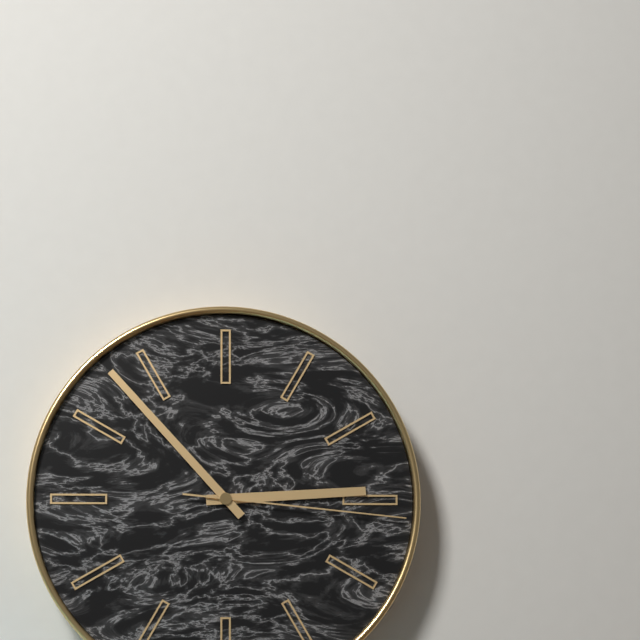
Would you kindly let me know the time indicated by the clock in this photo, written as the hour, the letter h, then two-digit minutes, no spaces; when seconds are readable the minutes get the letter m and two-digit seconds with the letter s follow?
2h53m16s
